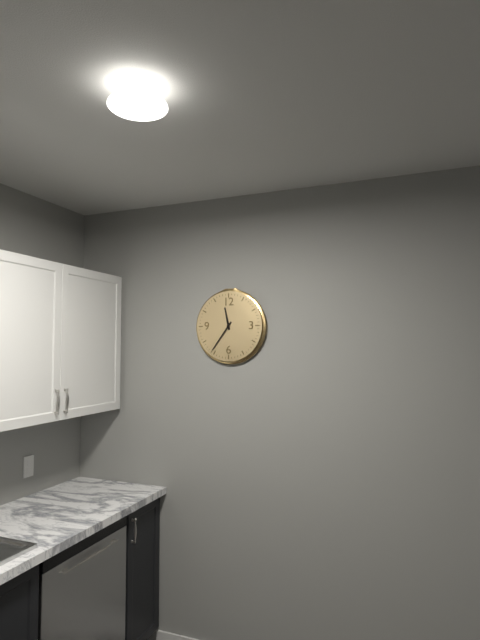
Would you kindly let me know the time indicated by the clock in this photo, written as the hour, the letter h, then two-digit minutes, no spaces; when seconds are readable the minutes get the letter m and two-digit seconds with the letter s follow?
11h36
